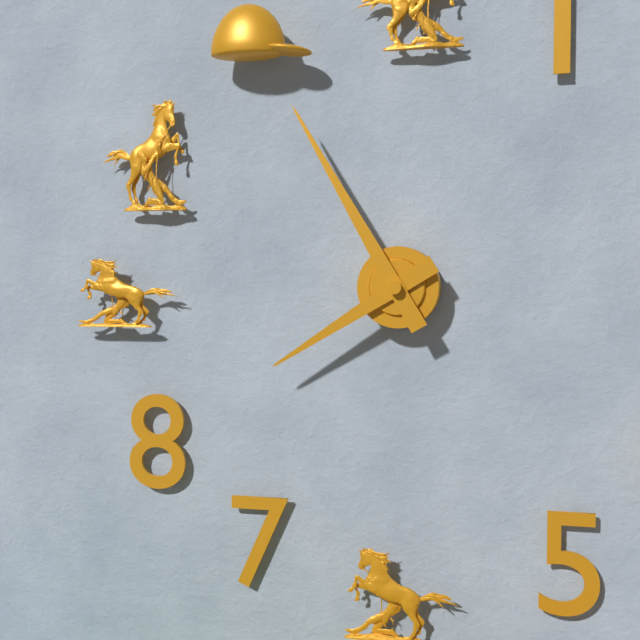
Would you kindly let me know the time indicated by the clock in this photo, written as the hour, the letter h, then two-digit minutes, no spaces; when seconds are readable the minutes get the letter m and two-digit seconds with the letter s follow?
7h55
